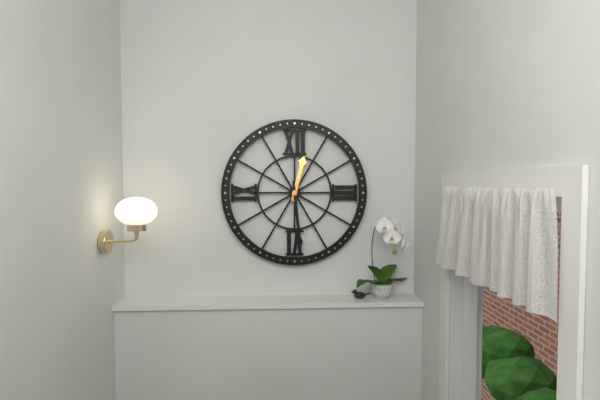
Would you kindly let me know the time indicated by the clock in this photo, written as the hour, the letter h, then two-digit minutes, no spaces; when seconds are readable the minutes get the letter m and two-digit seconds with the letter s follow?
12h29
